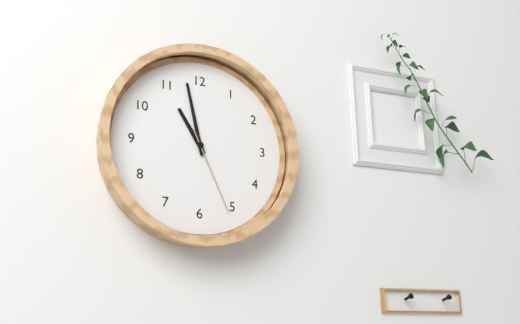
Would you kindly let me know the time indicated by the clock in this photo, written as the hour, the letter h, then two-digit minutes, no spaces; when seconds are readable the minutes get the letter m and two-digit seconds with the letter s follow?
10h58m26s
